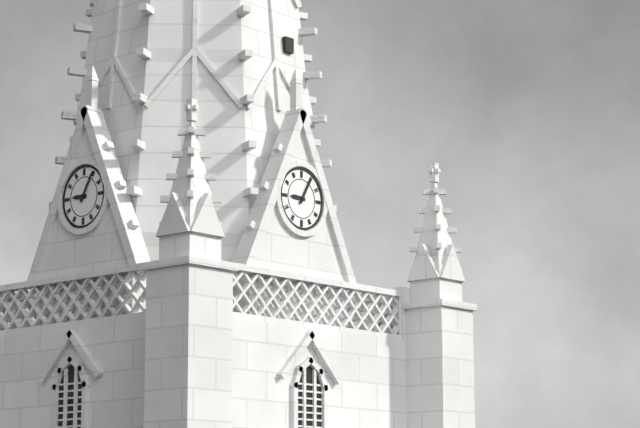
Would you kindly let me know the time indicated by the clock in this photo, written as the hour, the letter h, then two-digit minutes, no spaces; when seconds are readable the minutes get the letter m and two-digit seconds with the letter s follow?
9h05
